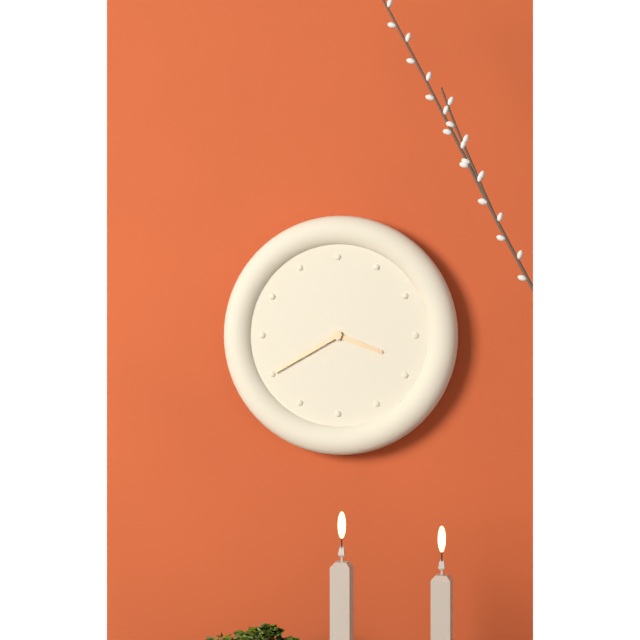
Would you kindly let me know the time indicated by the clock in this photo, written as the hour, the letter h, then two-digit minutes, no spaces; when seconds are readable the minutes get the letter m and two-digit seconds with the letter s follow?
3h40
